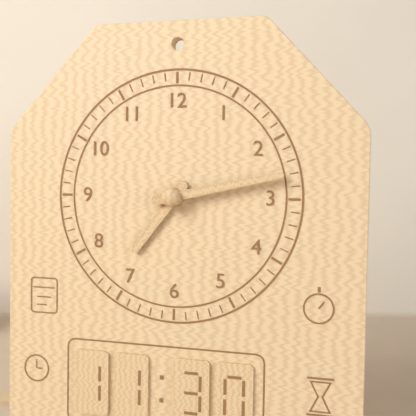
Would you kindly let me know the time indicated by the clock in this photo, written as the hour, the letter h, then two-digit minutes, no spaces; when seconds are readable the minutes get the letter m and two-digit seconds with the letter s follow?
7h13
